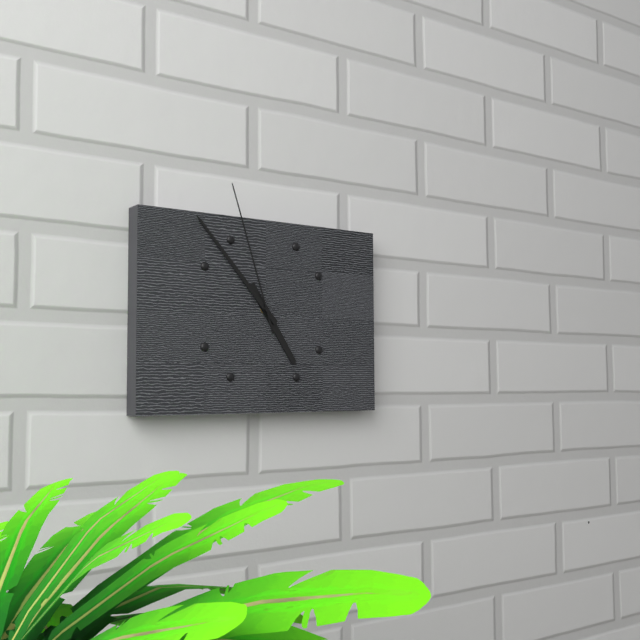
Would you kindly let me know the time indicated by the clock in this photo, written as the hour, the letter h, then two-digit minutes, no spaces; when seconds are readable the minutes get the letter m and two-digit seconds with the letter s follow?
4h53m57s
